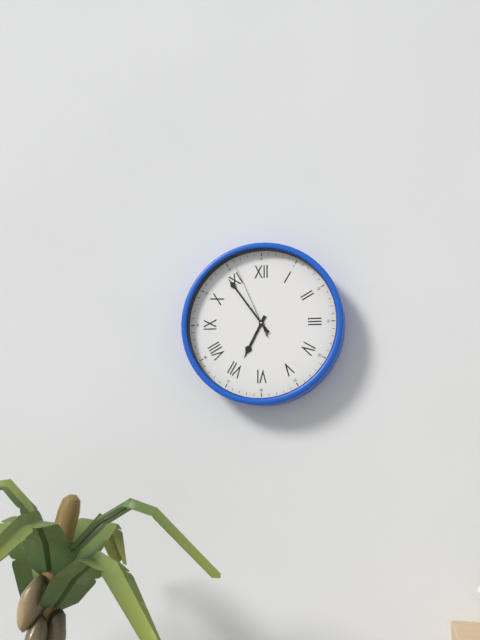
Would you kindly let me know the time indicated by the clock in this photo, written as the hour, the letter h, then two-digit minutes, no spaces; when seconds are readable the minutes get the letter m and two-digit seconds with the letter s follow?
6h54m56s
